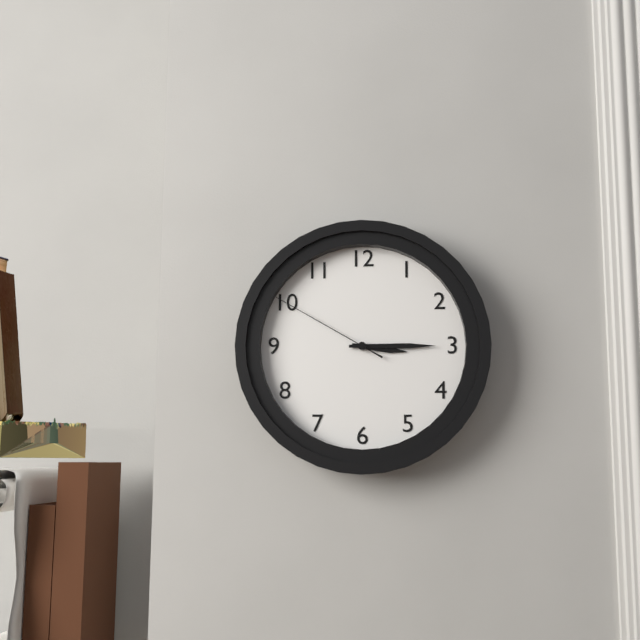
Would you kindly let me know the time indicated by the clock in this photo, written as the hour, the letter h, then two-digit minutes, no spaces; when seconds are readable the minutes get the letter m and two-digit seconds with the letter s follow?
3h15m50s
